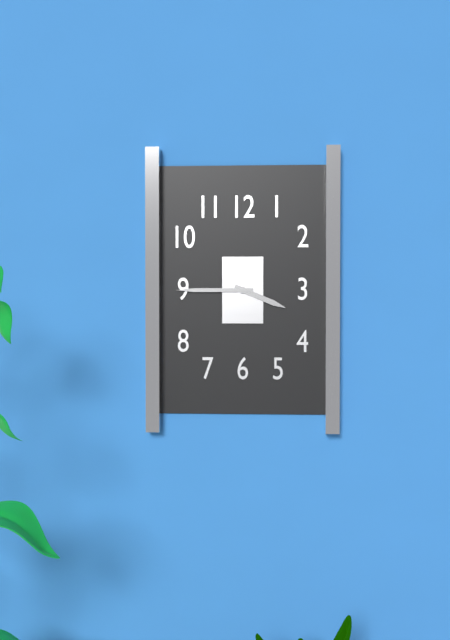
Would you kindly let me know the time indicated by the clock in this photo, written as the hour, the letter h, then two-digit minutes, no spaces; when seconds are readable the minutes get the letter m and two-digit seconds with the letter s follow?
3h45
